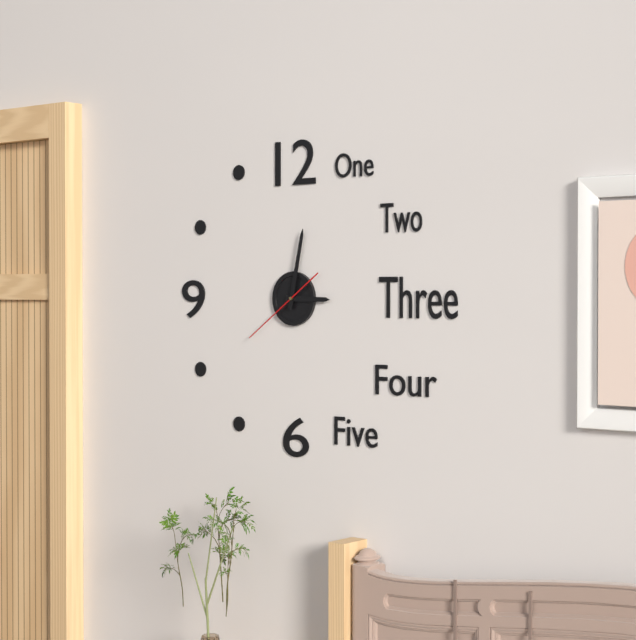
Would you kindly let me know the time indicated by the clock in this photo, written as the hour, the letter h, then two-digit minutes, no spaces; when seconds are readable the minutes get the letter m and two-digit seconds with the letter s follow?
3h02m39s
